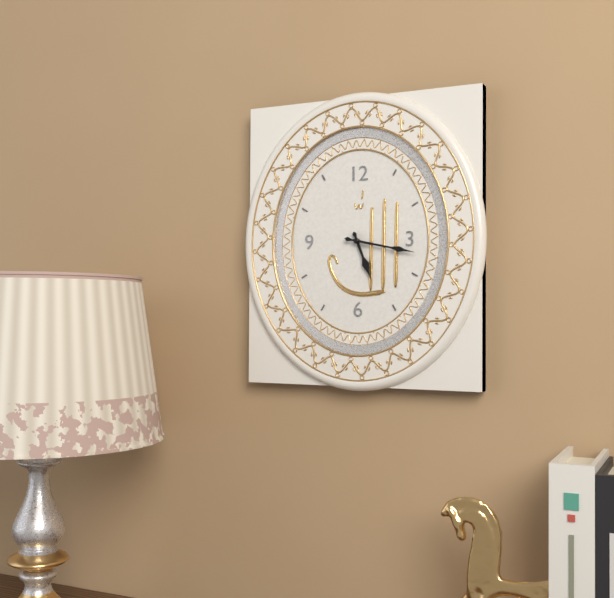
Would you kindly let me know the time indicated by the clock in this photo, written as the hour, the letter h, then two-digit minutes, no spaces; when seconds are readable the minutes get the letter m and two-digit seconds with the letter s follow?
5h17
